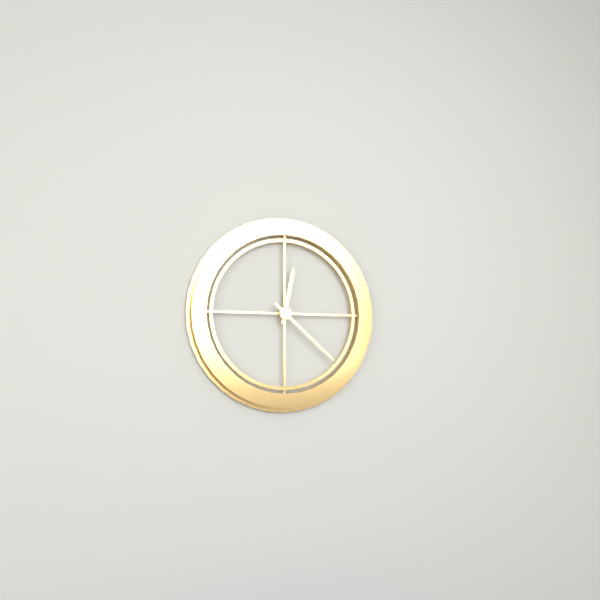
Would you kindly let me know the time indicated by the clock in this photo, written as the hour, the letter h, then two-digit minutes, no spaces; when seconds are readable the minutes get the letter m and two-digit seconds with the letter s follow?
12h22
